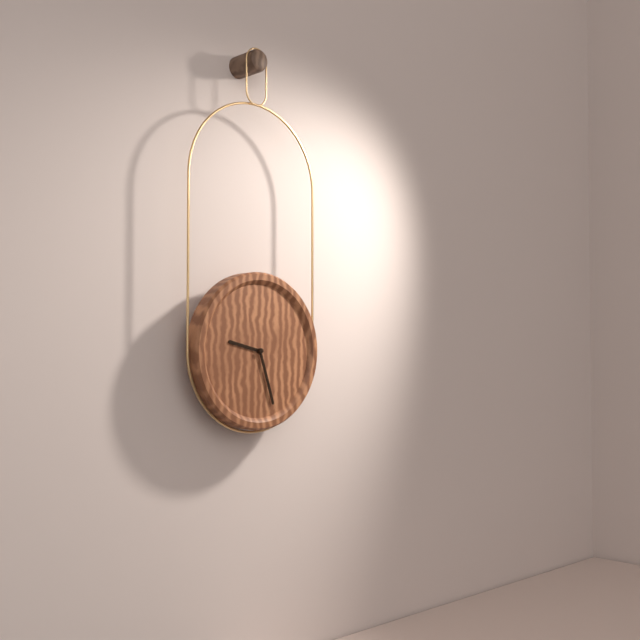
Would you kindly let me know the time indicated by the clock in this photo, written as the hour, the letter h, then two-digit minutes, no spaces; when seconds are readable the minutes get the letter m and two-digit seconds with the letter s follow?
9h27
